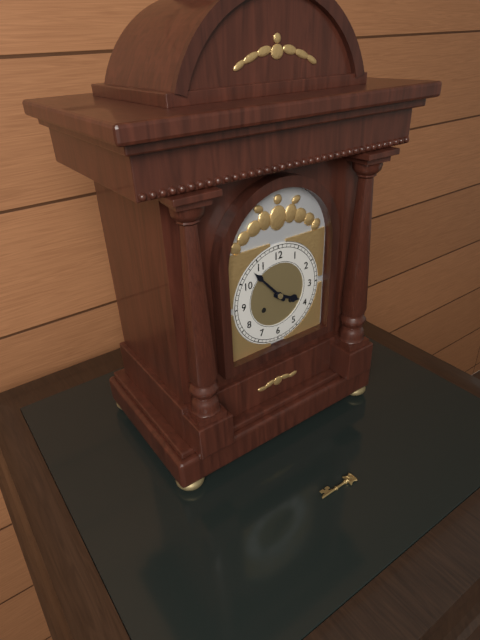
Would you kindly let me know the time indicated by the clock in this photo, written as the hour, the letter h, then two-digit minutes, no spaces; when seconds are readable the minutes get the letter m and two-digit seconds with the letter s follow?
3h53
